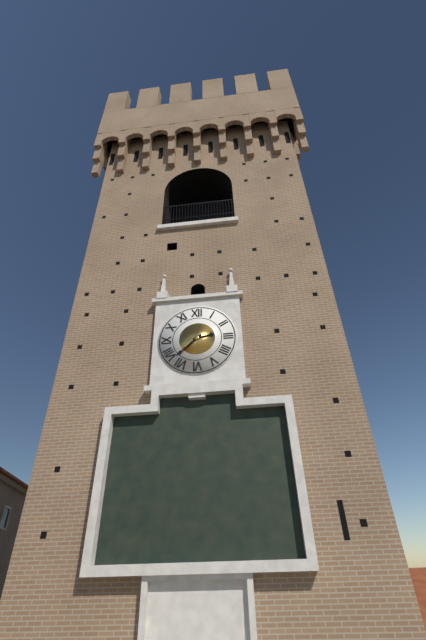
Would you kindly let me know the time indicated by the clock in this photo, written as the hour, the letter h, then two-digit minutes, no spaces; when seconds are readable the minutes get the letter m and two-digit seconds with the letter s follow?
2h38
